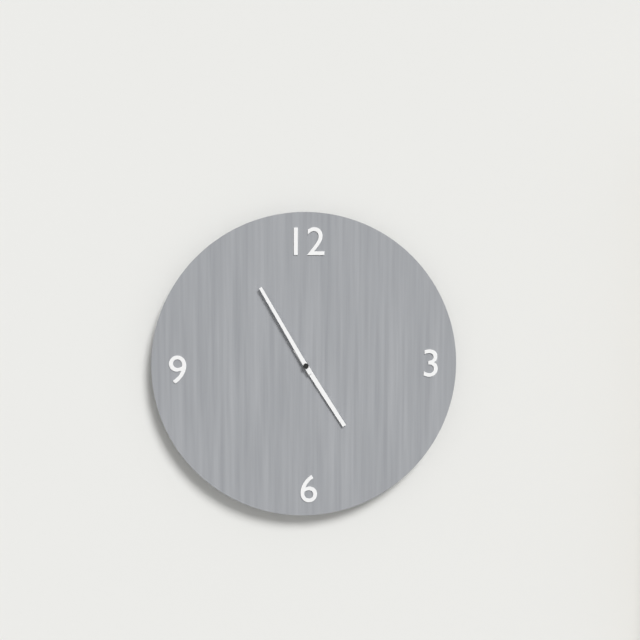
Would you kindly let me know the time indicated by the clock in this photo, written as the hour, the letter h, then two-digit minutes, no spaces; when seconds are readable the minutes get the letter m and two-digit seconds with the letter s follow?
4h55
